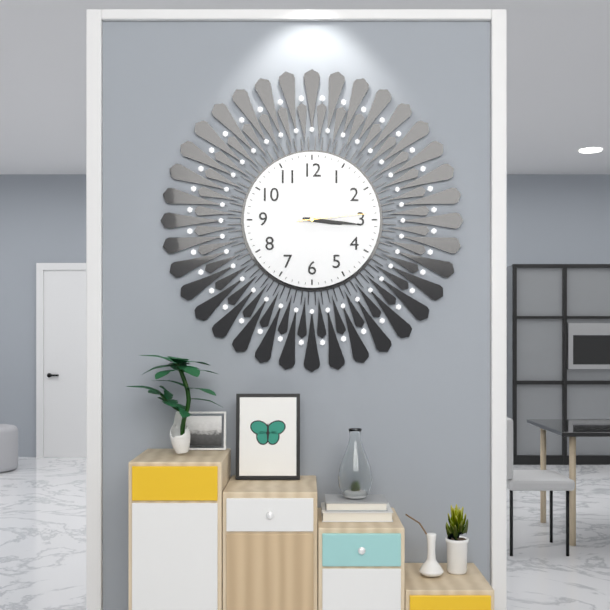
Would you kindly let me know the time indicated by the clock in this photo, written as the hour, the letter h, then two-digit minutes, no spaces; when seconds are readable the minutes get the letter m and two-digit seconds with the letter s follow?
3h16m14s
